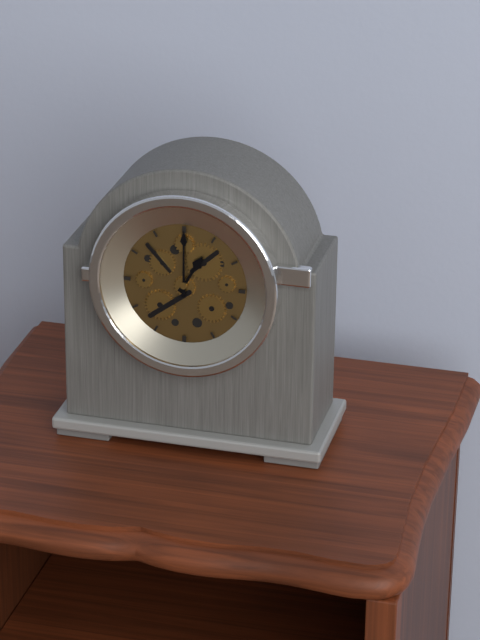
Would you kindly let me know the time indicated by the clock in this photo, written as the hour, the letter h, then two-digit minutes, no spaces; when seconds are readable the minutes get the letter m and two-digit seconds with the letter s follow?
1h00
